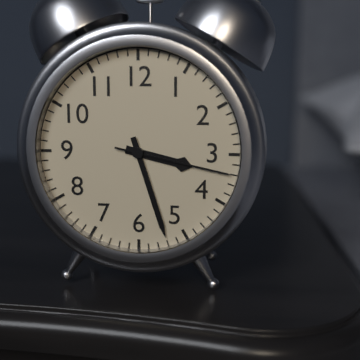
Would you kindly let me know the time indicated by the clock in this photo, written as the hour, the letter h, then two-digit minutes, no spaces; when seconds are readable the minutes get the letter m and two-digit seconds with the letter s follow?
3h27m17s
